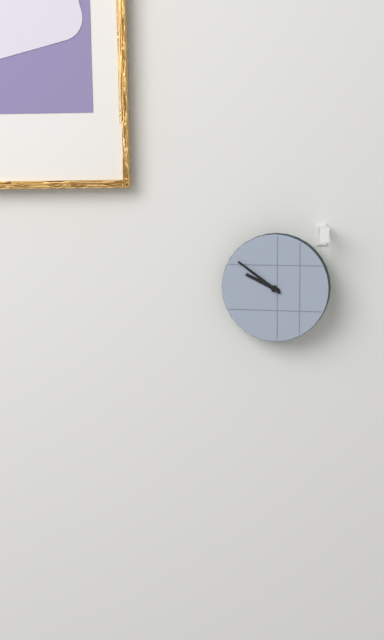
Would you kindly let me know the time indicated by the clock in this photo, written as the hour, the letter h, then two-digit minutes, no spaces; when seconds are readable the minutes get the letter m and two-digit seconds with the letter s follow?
9h51
